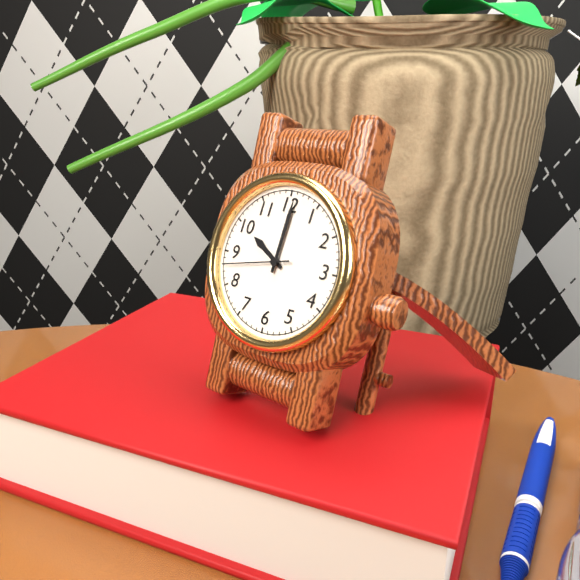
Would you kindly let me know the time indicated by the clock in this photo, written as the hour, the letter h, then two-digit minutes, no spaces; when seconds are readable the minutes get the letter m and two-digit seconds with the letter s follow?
10h01m43s
